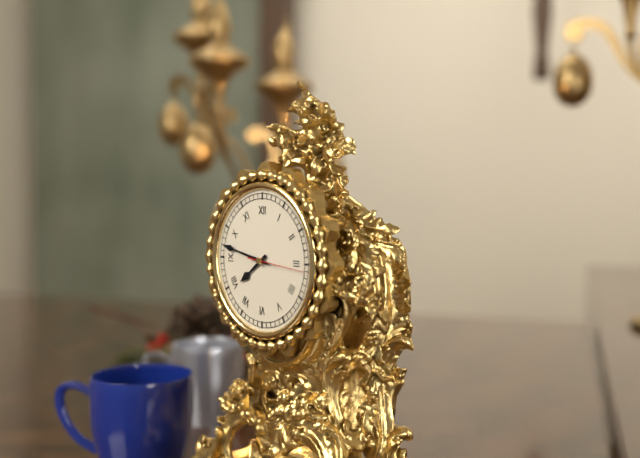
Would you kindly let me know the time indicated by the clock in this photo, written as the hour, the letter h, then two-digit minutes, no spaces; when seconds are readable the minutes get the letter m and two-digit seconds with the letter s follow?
7h47m16s
